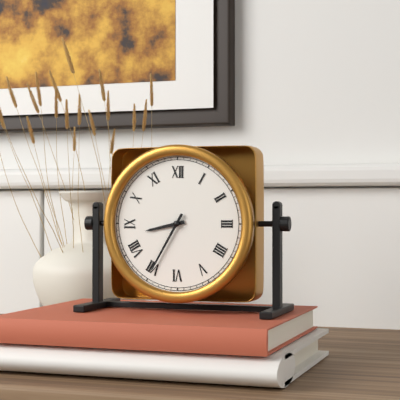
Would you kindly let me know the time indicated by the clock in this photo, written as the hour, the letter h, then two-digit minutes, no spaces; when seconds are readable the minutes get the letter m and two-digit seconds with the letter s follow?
8h35
